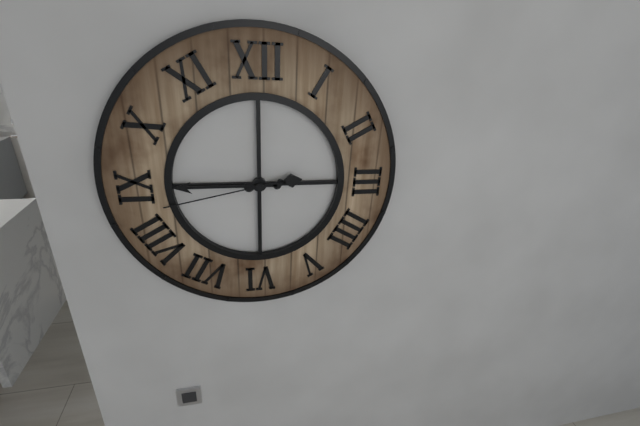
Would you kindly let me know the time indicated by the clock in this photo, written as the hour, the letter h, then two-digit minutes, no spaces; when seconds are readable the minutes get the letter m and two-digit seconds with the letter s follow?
2h45m43s
